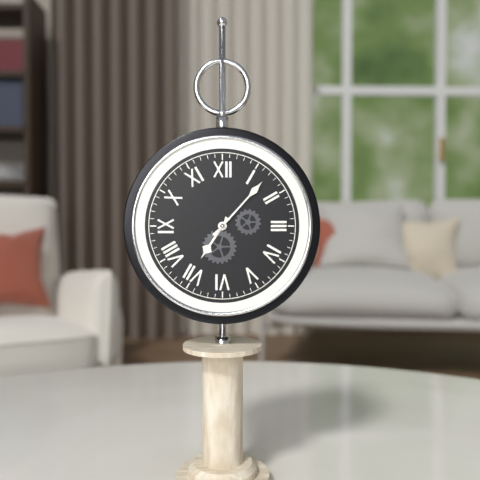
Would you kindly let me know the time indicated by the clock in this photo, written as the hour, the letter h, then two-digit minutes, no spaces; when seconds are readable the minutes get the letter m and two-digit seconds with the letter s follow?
7h07
